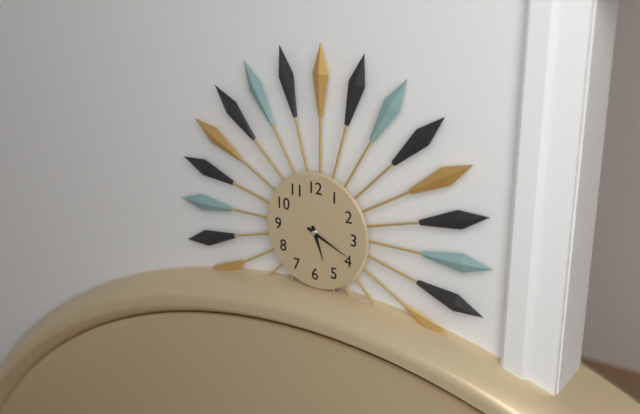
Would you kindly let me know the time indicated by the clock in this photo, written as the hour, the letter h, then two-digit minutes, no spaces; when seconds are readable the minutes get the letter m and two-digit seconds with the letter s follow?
5h19
